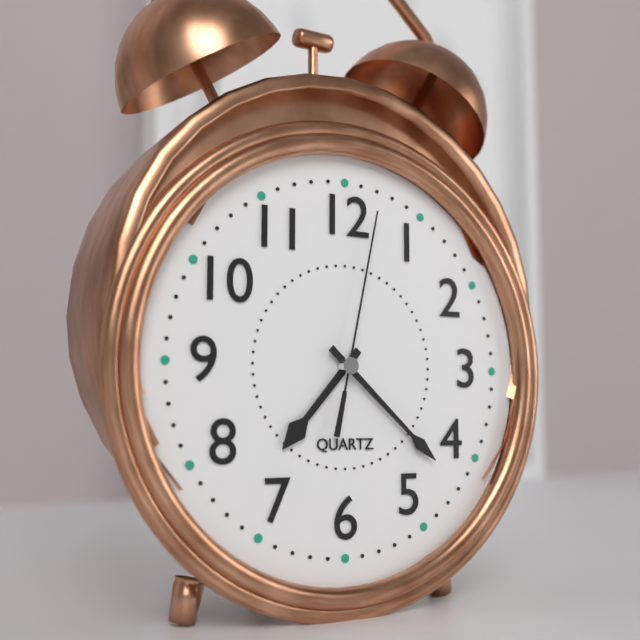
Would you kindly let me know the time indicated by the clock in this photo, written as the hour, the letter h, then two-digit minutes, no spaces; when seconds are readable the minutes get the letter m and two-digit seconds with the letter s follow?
7h22m02s
